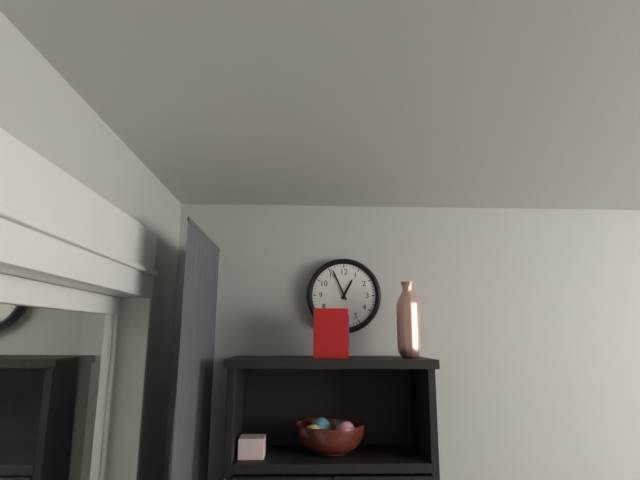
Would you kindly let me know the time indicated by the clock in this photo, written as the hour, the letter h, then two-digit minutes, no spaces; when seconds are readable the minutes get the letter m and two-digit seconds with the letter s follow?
12h56
